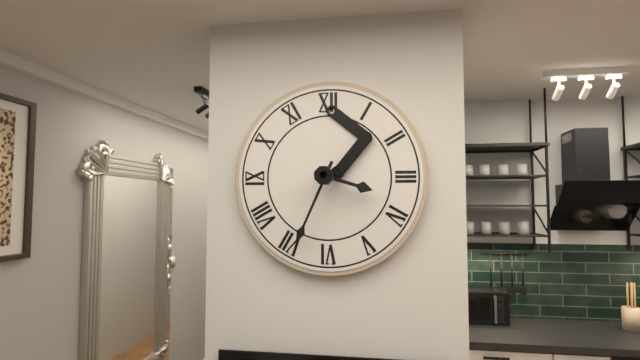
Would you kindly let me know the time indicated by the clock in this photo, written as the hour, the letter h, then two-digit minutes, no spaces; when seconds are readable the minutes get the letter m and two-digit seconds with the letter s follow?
3h34
